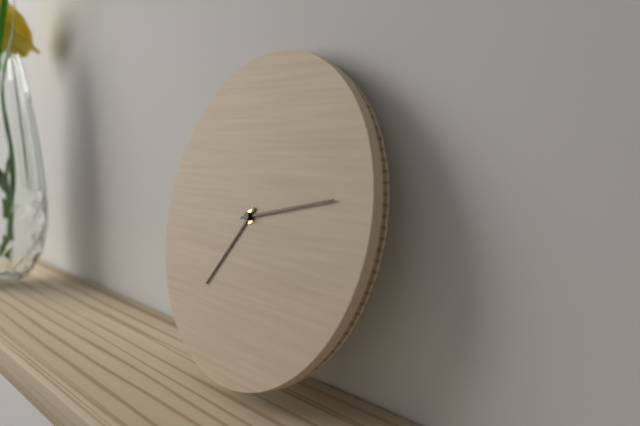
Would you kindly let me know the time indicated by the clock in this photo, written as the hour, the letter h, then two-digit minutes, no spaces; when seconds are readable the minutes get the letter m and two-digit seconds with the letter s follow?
7h13
